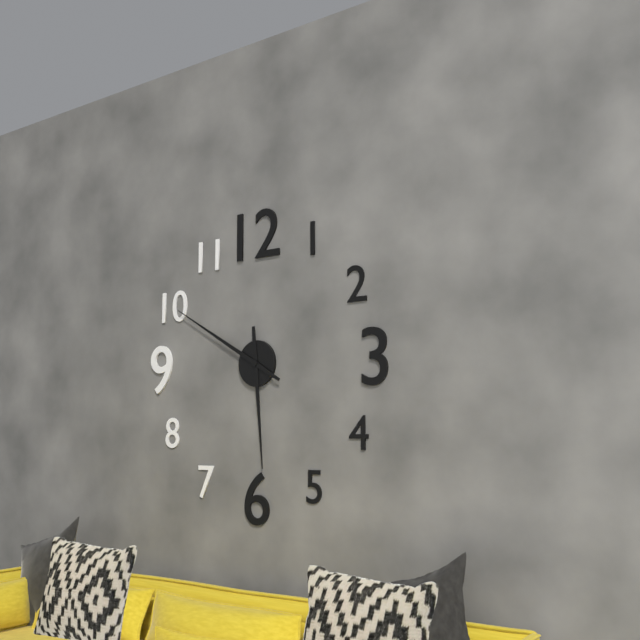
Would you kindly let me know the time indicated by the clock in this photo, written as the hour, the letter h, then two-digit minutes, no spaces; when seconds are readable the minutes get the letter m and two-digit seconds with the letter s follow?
5h50
